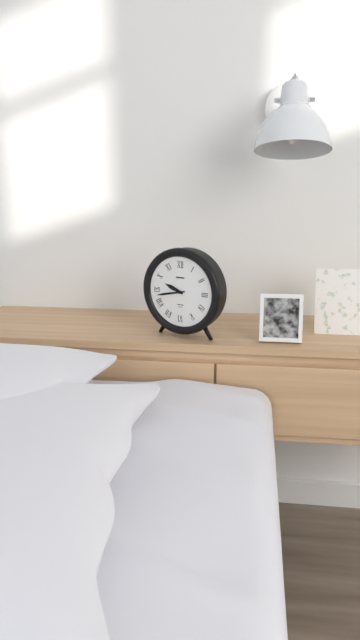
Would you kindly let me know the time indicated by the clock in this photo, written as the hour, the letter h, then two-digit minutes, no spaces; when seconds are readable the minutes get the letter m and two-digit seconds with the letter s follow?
9h43
